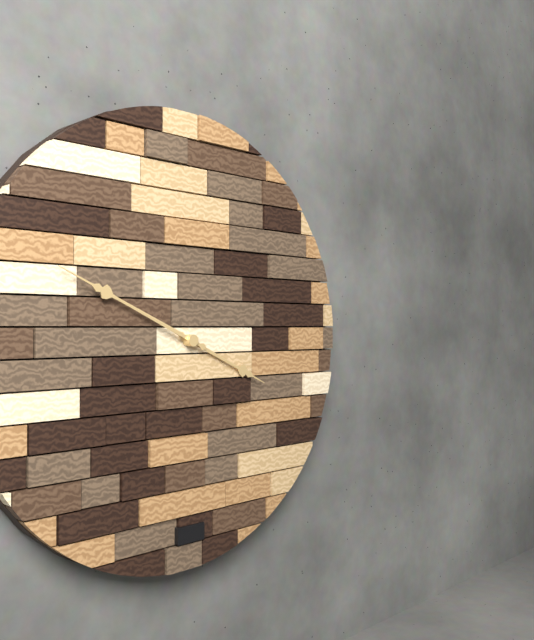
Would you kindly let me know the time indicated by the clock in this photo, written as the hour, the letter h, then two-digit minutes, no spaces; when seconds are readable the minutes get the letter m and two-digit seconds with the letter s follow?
3h49
